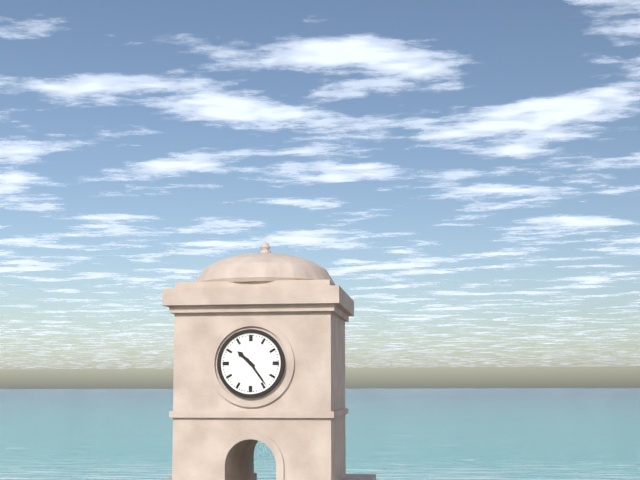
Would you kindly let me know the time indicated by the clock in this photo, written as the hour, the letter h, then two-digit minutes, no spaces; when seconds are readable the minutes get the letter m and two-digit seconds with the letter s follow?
10h24
